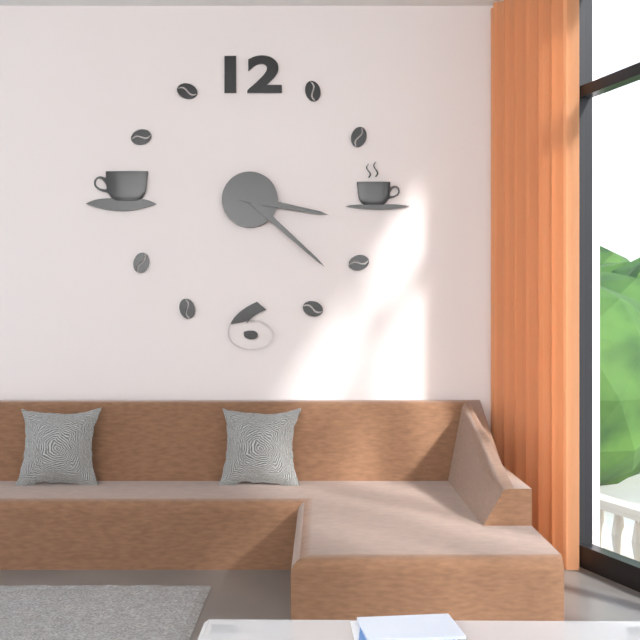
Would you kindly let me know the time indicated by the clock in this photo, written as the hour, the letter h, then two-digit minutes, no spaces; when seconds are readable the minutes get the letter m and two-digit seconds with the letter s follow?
3h22
